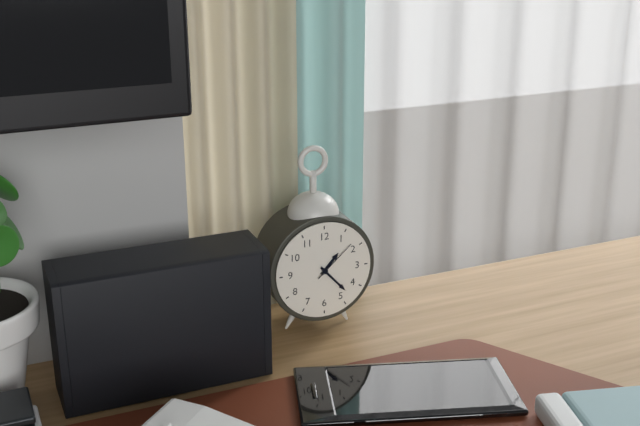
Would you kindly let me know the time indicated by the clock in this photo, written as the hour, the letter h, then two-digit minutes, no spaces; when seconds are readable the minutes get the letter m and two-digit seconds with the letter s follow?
1h23
